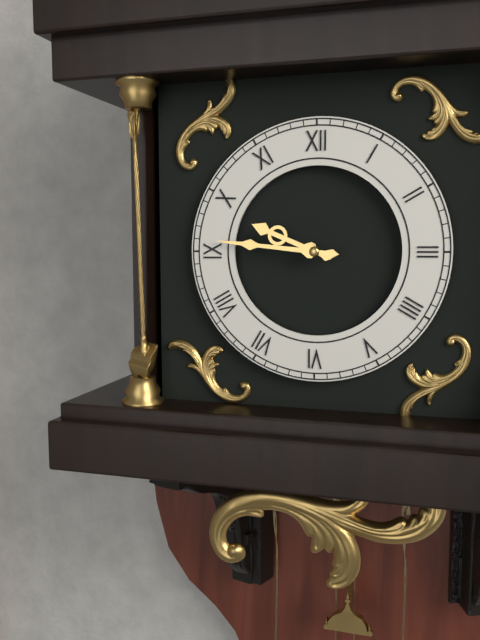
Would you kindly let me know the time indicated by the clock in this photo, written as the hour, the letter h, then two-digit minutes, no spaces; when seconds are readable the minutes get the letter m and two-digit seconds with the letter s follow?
9h46
